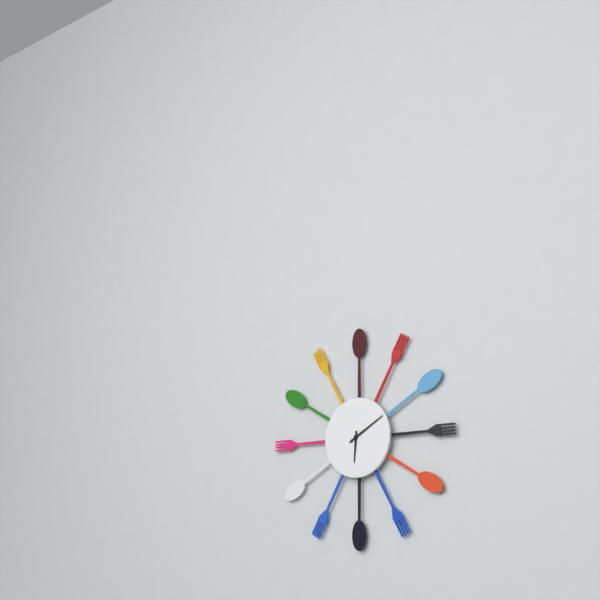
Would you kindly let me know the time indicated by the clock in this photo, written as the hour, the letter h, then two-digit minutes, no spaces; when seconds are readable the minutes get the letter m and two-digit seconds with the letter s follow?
6h10
